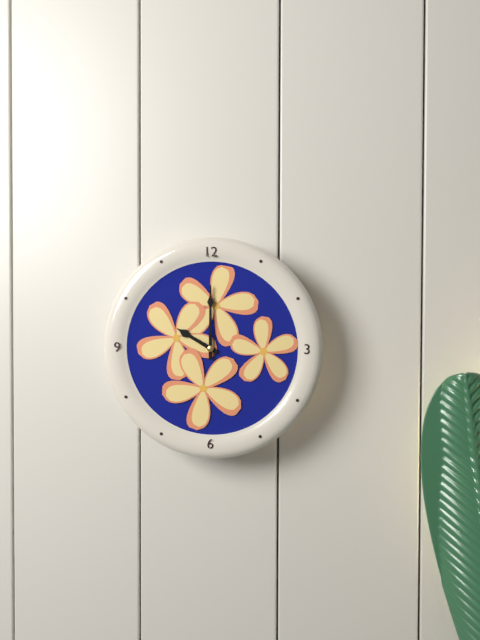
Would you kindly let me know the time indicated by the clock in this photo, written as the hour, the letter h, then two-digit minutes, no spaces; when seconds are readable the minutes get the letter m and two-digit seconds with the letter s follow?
10h00
